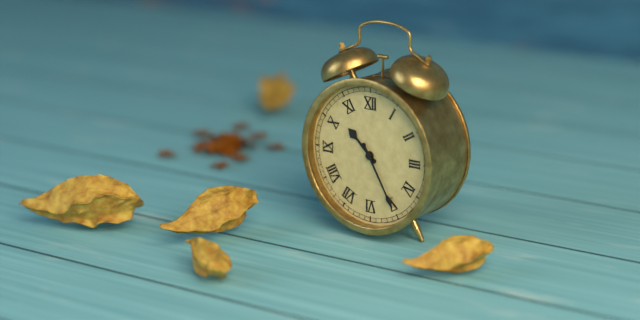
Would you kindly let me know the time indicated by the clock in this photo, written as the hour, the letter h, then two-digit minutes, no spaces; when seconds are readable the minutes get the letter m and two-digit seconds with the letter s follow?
10h25
